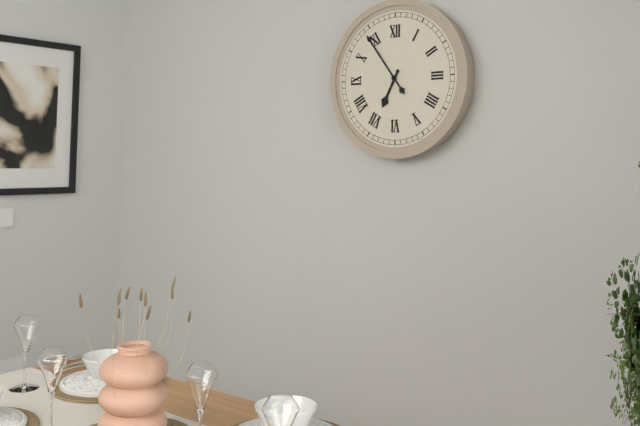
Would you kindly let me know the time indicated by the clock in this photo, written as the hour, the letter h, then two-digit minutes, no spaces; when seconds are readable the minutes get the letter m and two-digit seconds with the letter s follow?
6h54
